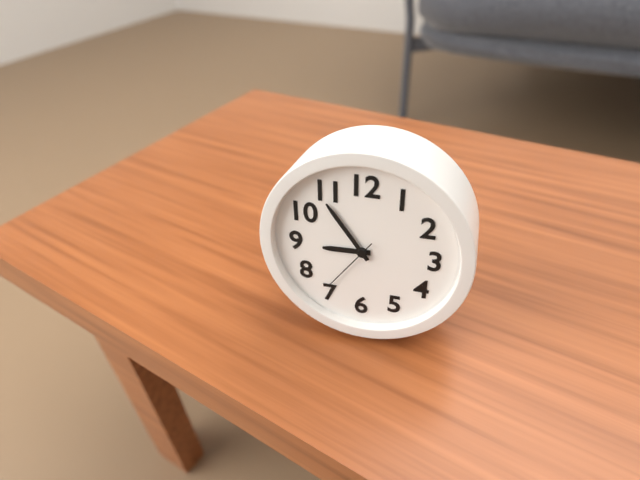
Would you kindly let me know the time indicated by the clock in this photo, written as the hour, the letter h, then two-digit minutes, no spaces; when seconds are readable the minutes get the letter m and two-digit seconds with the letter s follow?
8h54m36s
